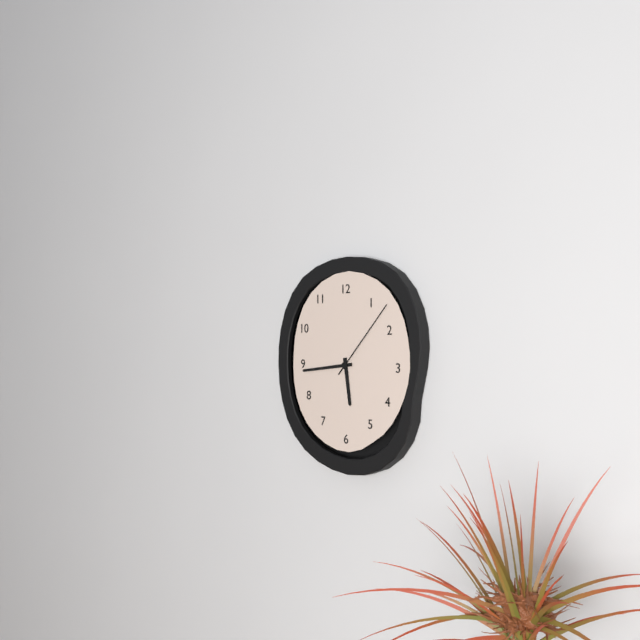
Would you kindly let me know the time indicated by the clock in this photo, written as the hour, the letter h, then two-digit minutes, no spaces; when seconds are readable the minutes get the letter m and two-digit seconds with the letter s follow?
5h44m07s
